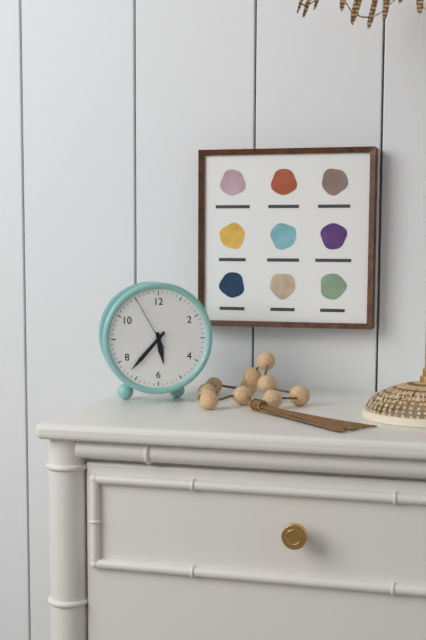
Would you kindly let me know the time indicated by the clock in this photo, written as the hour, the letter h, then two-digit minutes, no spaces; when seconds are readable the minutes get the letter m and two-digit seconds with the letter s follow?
5h37m55s
